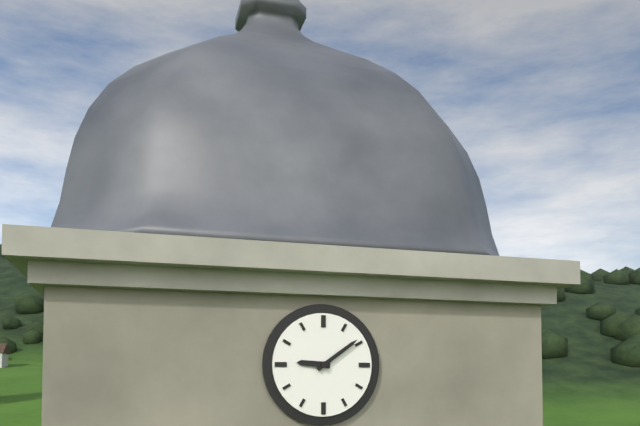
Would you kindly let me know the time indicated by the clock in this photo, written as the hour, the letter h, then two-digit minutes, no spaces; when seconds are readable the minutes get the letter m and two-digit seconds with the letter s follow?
9h09
